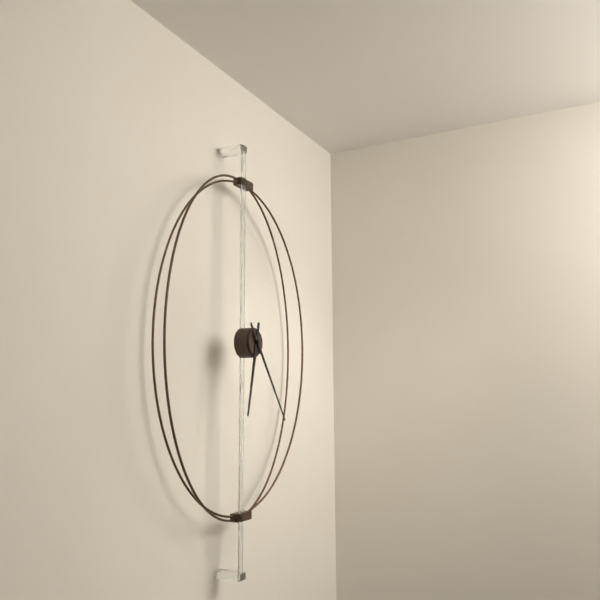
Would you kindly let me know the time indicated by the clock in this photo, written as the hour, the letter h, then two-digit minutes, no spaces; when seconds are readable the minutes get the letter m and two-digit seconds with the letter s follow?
6h24
